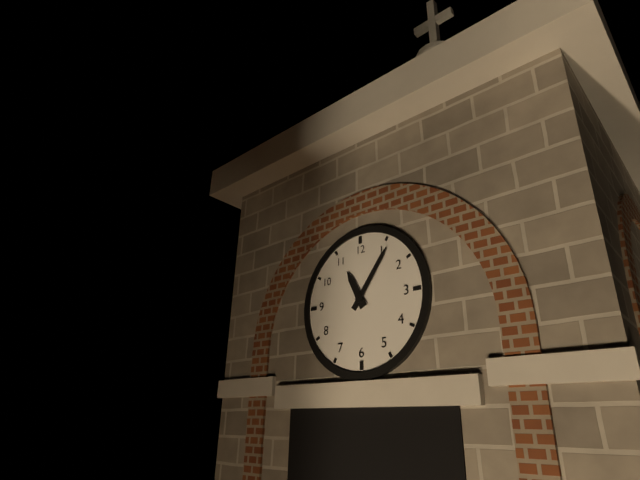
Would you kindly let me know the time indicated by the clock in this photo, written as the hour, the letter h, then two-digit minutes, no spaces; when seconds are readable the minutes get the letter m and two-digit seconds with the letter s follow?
11h06
